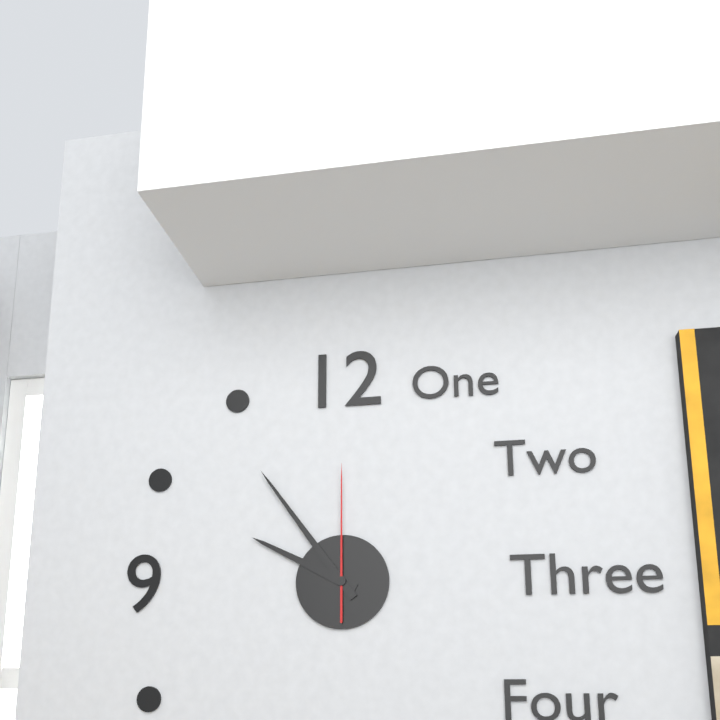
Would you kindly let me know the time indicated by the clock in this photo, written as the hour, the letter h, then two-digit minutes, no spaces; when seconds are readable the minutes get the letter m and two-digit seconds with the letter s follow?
9h54m00s
